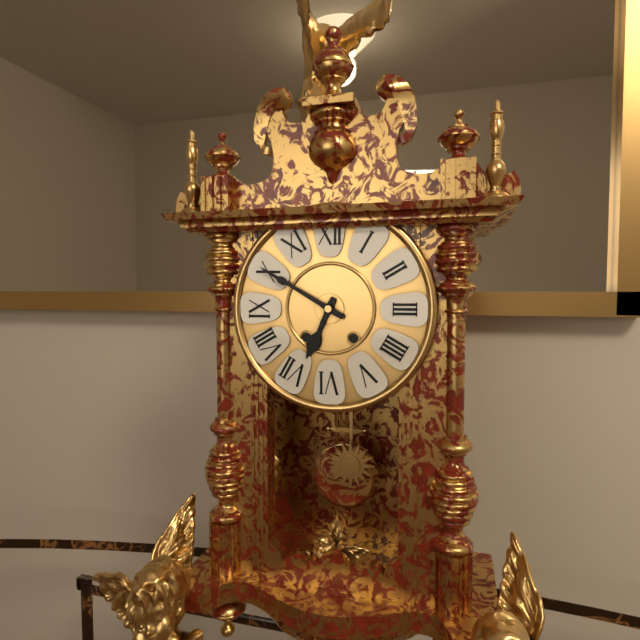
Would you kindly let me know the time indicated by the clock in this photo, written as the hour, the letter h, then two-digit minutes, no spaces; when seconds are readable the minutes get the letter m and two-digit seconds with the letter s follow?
6h50
